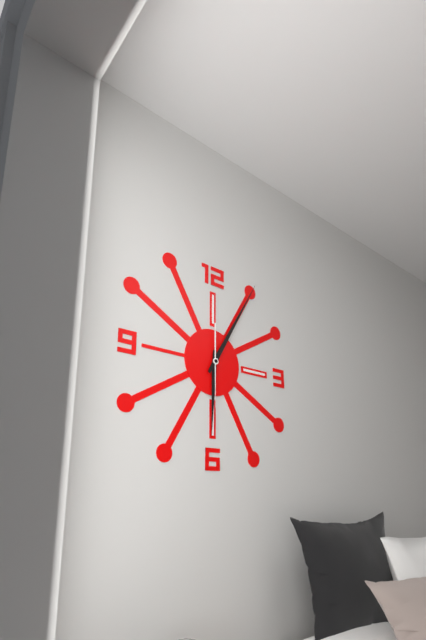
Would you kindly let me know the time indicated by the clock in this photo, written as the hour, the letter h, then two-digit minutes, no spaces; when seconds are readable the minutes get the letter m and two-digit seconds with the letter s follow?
6h05m30s
